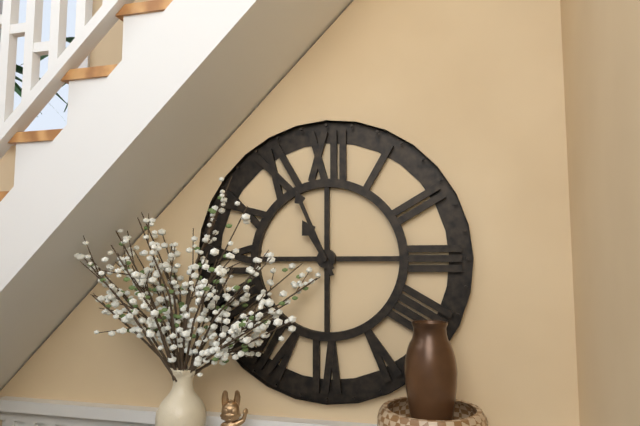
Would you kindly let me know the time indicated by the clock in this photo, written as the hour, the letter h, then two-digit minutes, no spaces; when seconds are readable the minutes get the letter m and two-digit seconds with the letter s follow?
10h56
